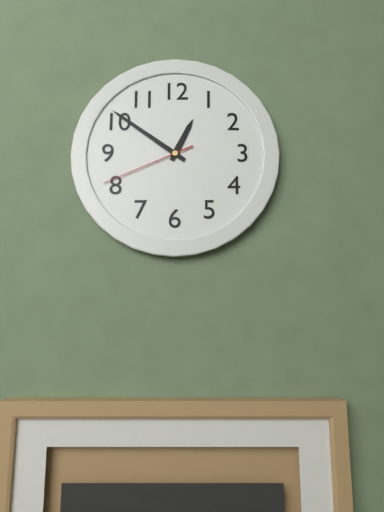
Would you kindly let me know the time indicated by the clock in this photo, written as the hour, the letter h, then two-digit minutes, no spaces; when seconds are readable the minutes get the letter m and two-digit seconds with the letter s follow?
12h51m41s
